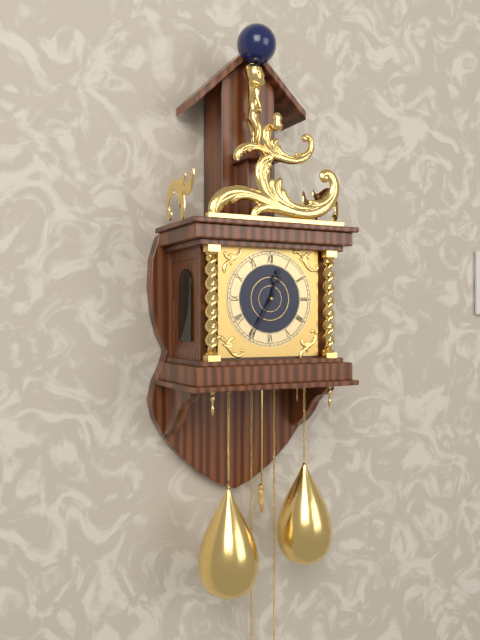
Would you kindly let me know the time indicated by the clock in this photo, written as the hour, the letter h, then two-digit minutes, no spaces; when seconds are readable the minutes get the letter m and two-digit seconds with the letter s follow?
12h35
